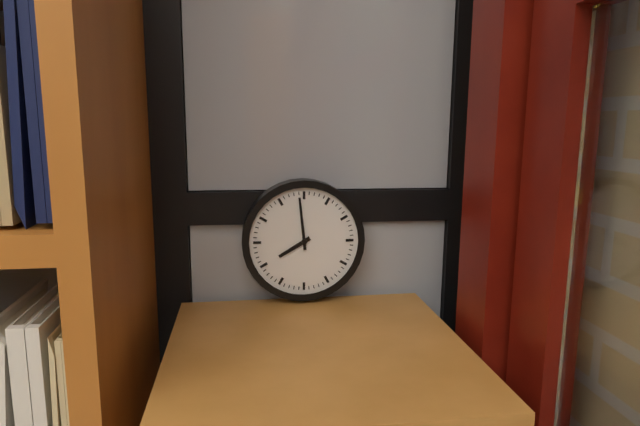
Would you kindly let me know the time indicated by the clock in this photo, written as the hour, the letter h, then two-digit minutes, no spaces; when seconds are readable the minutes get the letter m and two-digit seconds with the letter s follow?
7h59
